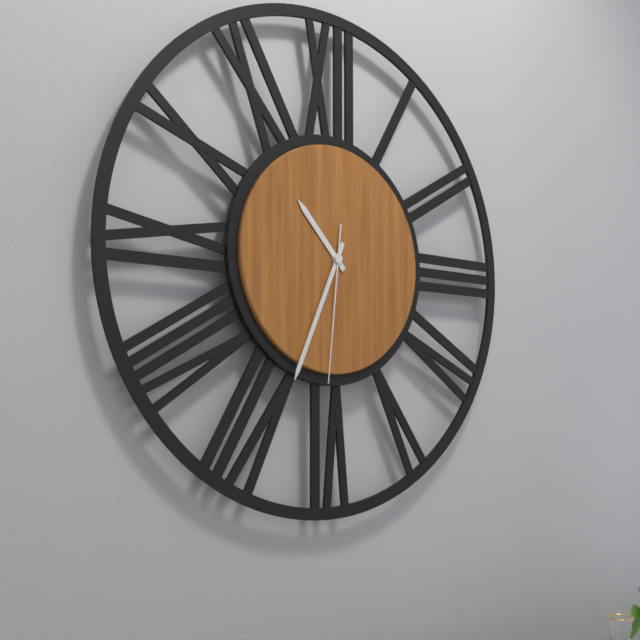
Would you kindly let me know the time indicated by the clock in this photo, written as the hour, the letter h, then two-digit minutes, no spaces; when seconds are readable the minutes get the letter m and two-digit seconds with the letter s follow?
10h34m31s
